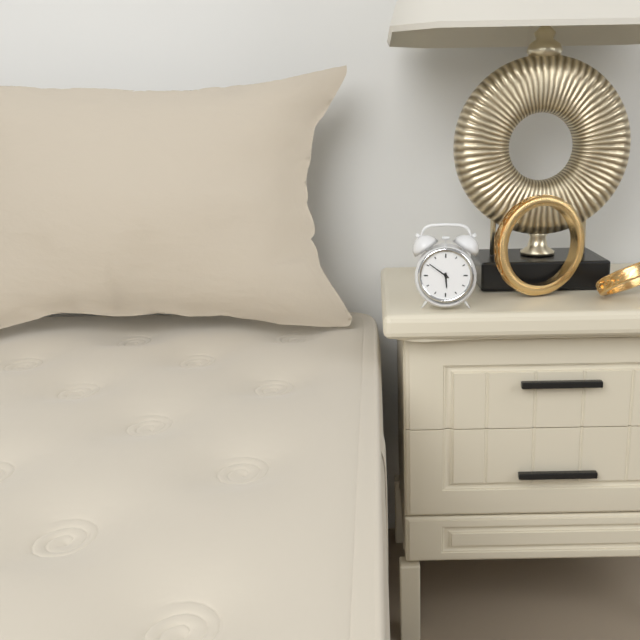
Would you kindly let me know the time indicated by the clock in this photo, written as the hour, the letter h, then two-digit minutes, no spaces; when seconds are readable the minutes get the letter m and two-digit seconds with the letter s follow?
5h51
